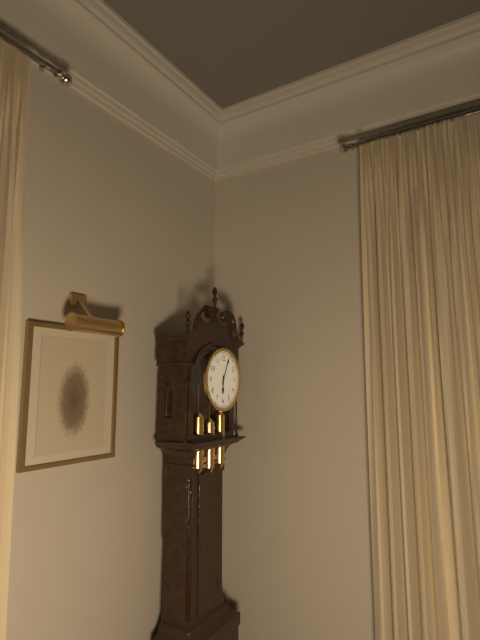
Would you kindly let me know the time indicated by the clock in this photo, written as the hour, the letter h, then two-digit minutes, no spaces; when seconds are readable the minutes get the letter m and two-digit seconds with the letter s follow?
6h04
